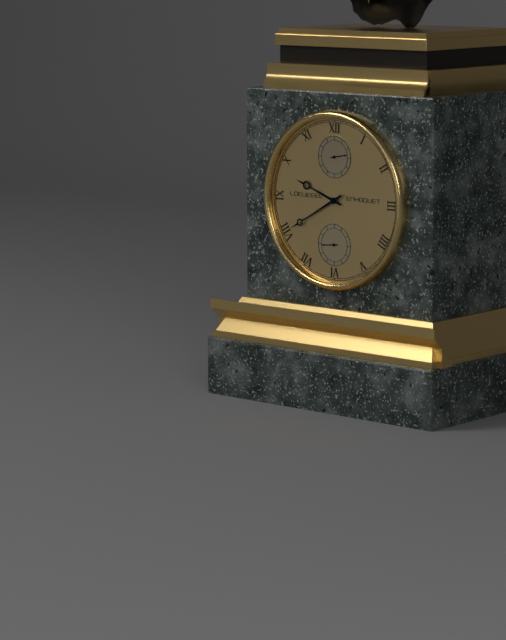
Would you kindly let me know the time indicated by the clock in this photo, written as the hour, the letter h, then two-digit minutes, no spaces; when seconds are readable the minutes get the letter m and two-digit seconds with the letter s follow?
9h40
